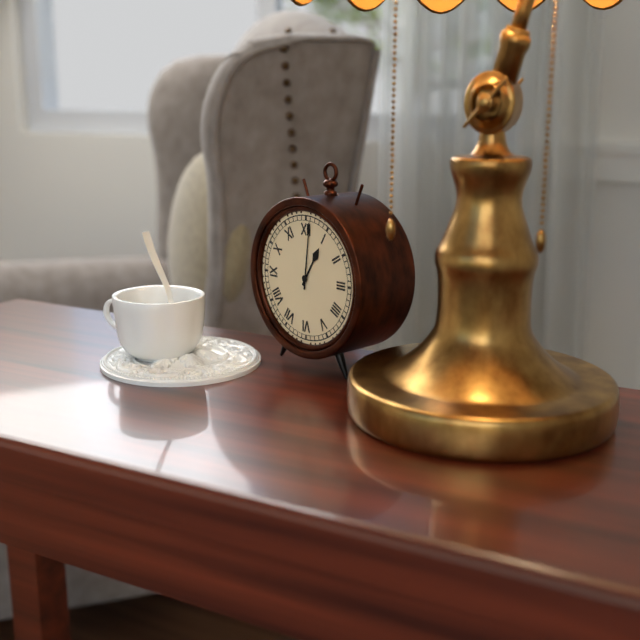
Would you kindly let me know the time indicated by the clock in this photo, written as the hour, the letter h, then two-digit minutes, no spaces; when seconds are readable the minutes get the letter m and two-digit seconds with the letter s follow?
1h01
